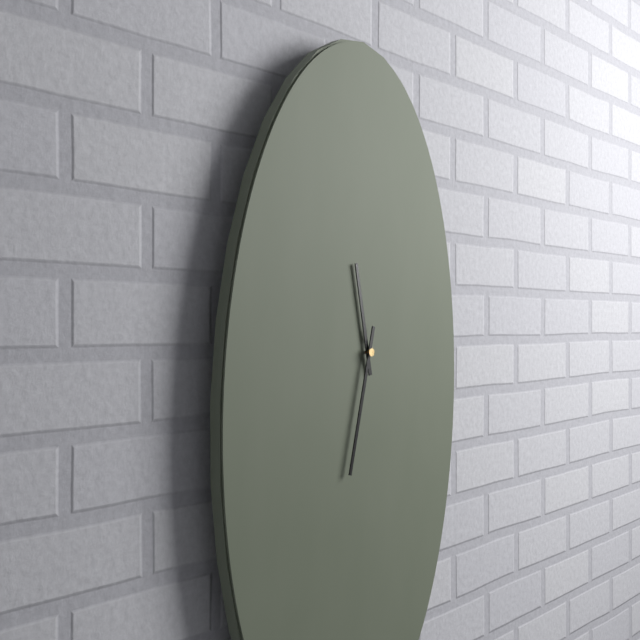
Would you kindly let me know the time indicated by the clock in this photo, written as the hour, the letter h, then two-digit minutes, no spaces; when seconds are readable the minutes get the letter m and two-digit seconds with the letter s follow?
11h32
